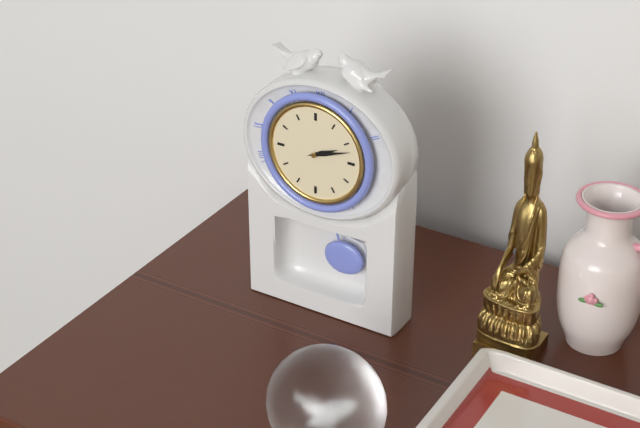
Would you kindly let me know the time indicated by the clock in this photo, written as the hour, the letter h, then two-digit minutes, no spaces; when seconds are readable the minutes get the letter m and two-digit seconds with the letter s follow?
2h12
